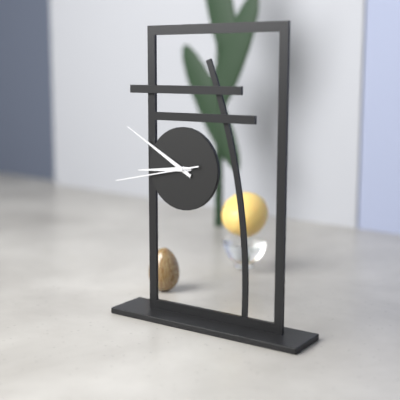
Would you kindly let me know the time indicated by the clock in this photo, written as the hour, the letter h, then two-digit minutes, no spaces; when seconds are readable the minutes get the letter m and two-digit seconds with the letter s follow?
8h50m43s
